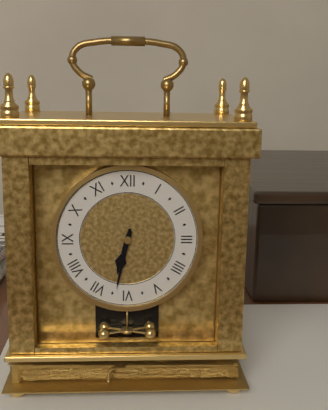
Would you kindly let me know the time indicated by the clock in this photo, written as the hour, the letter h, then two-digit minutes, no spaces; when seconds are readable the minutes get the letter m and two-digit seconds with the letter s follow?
6h32
